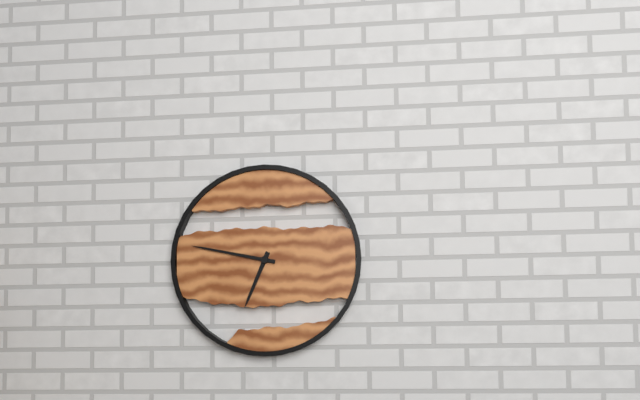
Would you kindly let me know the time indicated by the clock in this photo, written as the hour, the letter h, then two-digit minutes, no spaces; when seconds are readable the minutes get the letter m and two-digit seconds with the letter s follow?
6h47
